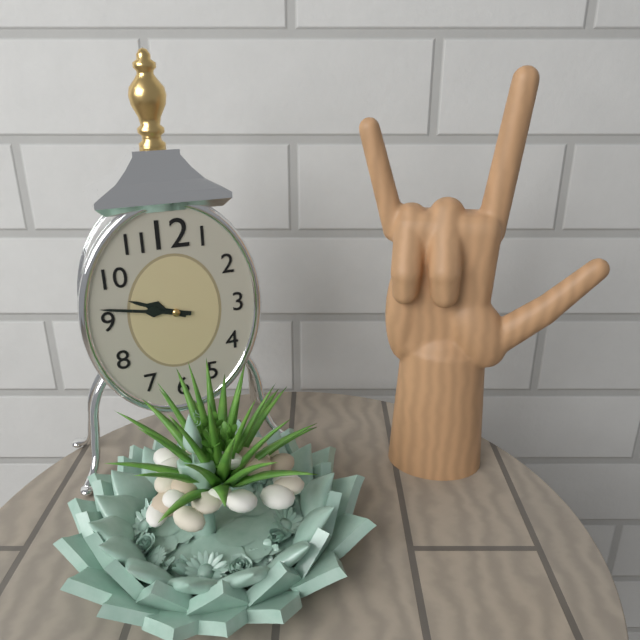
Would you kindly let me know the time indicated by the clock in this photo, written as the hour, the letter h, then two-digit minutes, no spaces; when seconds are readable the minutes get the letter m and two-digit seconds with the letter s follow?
9h47
